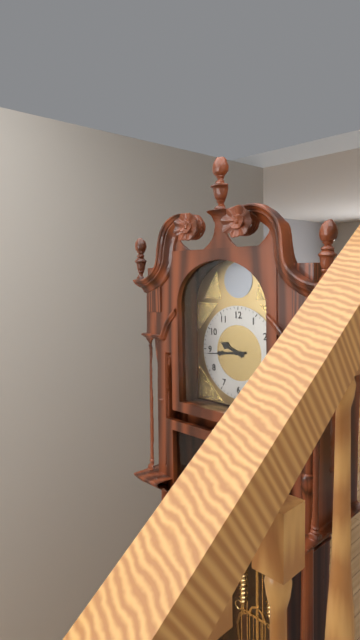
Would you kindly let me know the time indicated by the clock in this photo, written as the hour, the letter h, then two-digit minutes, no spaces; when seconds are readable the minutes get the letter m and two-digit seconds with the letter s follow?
9h44
